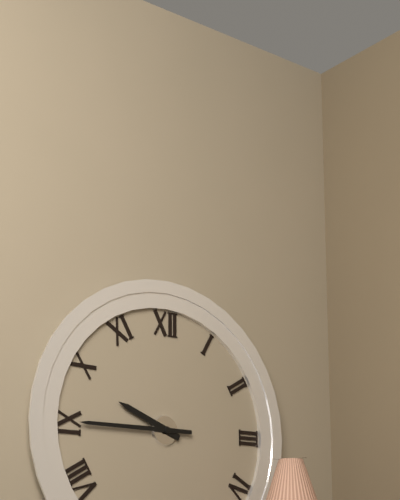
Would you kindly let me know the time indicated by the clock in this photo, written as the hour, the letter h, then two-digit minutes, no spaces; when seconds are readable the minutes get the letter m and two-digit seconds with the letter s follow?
9h45
